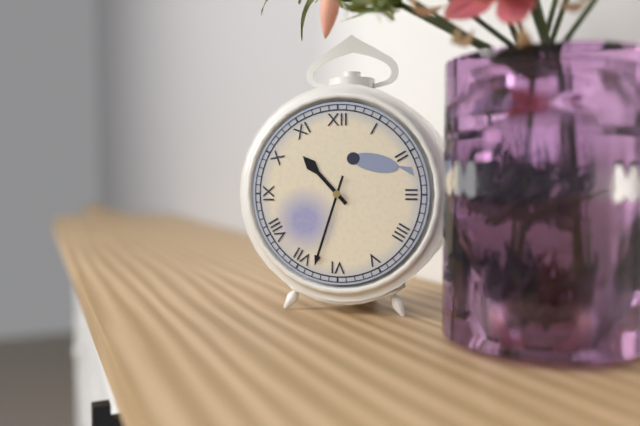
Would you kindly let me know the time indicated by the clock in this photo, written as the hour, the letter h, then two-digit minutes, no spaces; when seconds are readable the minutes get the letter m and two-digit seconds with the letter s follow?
10h33
